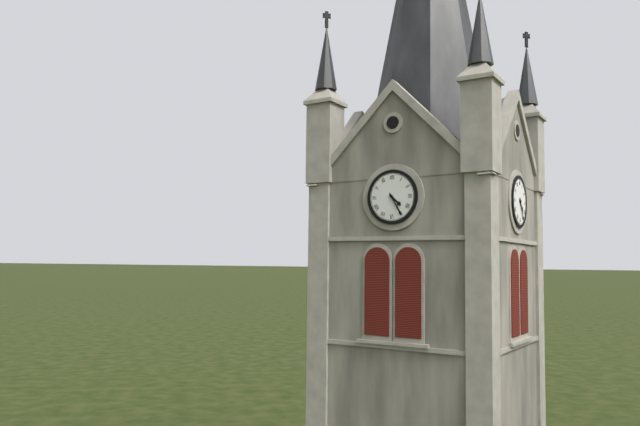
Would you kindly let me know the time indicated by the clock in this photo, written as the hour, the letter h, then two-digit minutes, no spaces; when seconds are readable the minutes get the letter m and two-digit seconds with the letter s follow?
4h25
